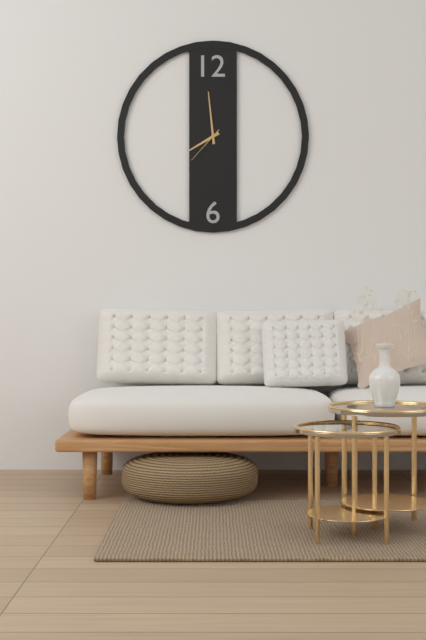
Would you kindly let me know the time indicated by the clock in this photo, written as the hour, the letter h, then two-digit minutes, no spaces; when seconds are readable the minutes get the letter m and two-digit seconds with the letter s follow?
7h59
